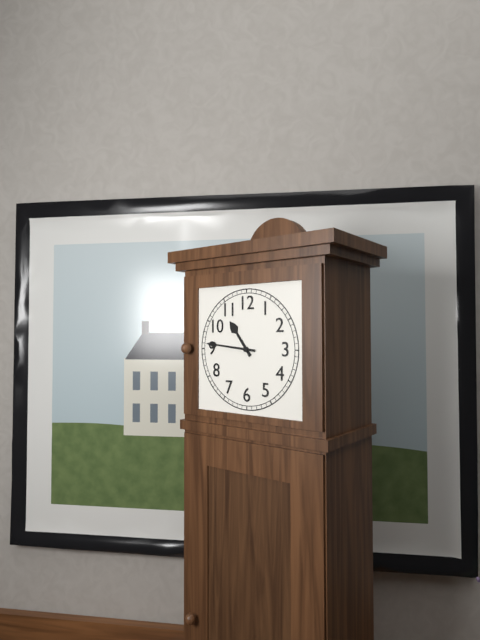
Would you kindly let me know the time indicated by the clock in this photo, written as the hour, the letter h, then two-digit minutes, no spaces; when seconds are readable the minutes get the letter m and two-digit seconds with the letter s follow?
10h46
